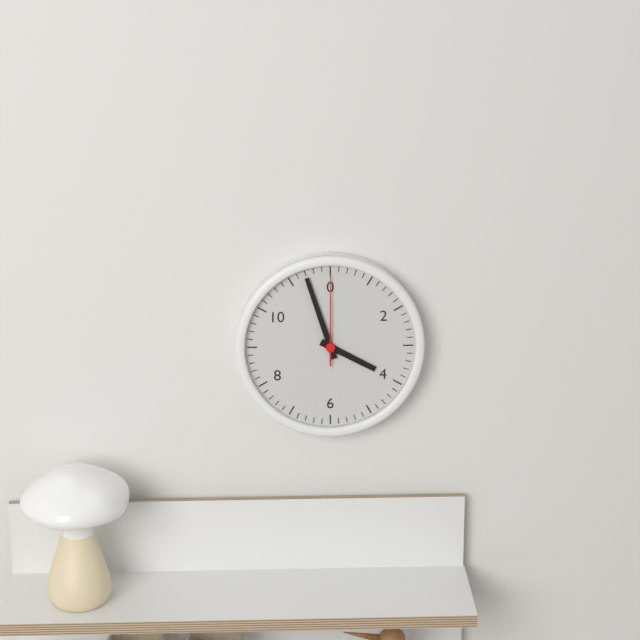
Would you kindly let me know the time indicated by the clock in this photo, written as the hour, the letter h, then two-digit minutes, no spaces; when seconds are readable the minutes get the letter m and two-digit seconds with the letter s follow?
3h57m00s
